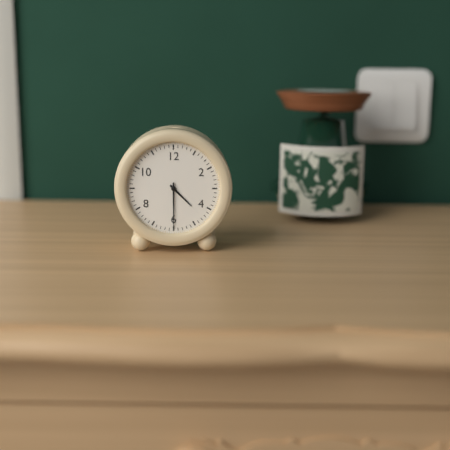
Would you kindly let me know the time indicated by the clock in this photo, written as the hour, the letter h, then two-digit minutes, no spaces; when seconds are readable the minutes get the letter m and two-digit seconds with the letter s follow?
4h30
